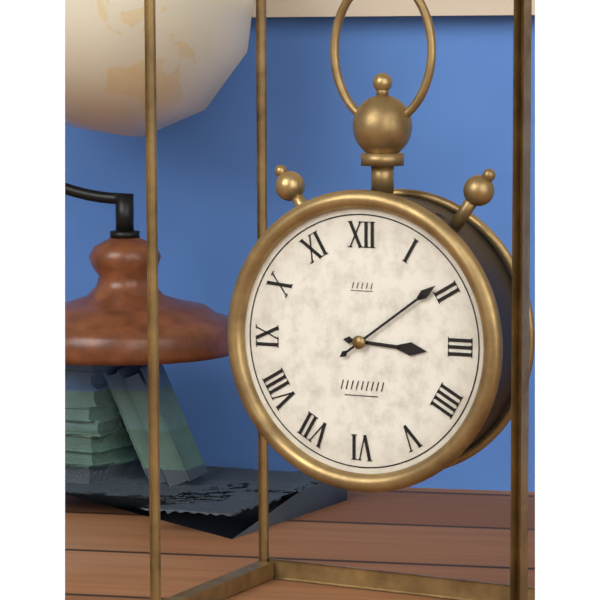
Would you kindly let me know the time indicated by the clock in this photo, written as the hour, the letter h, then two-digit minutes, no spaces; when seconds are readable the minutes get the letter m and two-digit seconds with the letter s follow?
3h09
